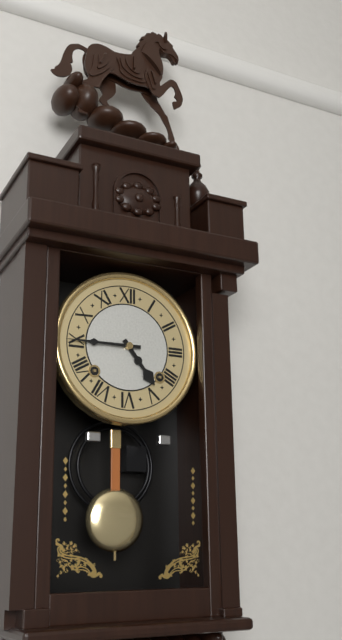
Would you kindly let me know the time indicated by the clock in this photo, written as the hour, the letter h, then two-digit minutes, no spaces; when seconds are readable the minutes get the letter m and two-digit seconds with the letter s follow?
4h45
